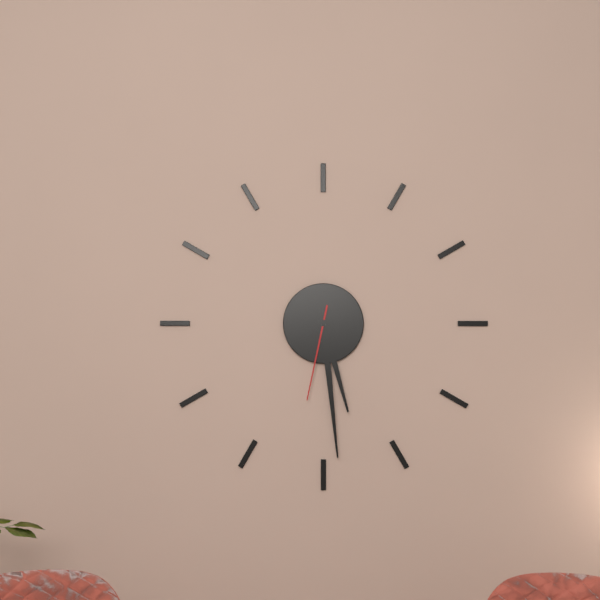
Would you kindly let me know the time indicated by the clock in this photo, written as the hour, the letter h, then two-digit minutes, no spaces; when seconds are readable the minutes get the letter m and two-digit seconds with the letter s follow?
5h29m32s
